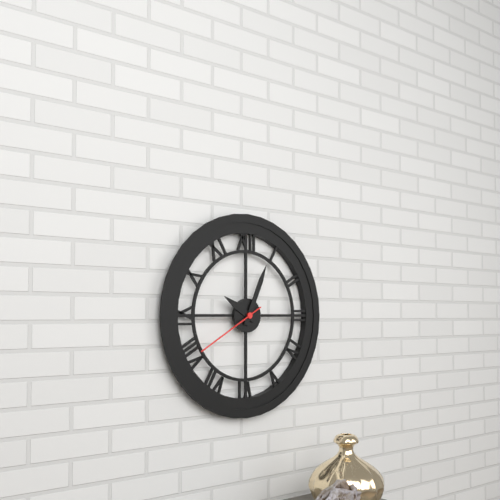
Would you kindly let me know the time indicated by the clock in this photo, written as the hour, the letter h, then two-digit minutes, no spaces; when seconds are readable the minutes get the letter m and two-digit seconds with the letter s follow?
10h04m40s
